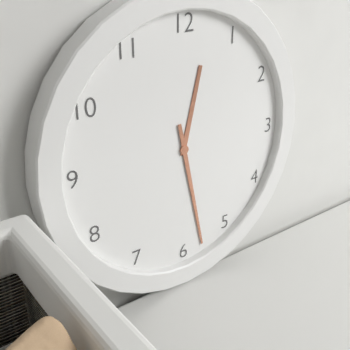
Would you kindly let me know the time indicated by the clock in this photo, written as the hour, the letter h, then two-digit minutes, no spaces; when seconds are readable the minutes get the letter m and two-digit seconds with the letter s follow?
12h28
